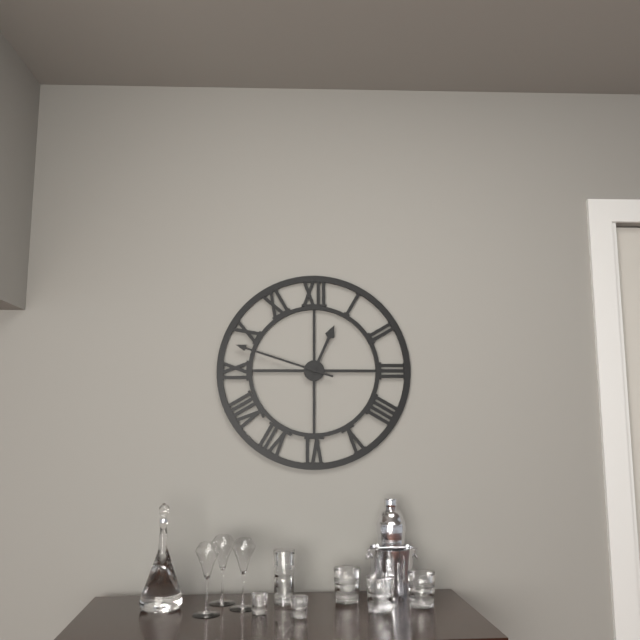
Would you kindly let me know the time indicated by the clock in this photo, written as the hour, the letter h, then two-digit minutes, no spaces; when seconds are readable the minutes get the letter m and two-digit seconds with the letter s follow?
12h48
